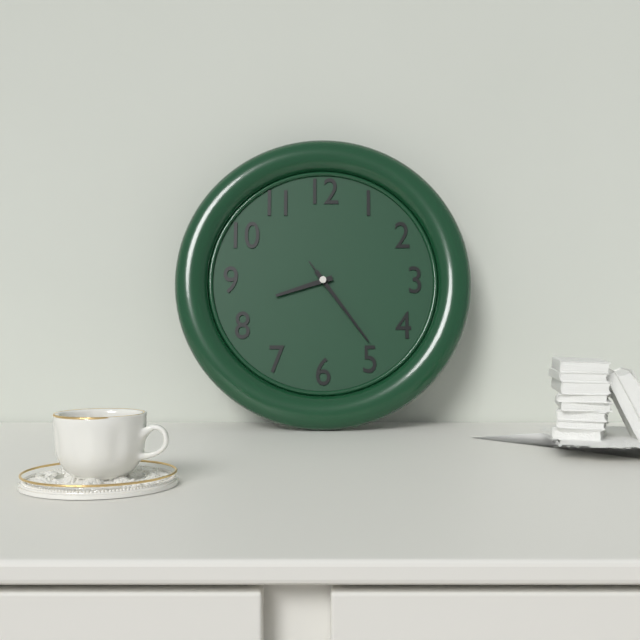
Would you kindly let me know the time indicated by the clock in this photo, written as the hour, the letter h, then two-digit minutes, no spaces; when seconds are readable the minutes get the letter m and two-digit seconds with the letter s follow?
8h24m24s
